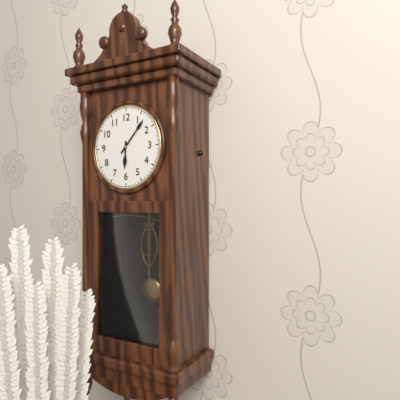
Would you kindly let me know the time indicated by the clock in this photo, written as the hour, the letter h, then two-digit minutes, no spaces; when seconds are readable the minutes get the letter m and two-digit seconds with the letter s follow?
6h07
